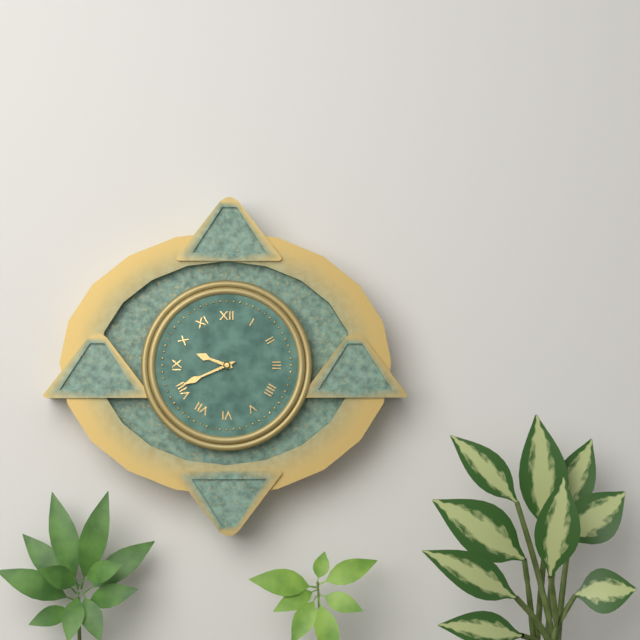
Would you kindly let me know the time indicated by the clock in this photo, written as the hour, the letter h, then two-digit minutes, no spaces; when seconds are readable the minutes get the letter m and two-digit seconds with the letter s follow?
9h41
